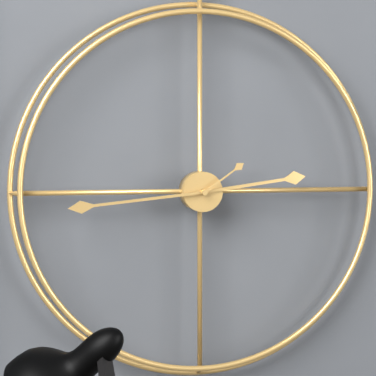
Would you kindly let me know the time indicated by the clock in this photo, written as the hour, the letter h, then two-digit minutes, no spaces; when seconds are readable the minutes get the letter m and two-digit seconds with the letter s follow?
2h44m09s
